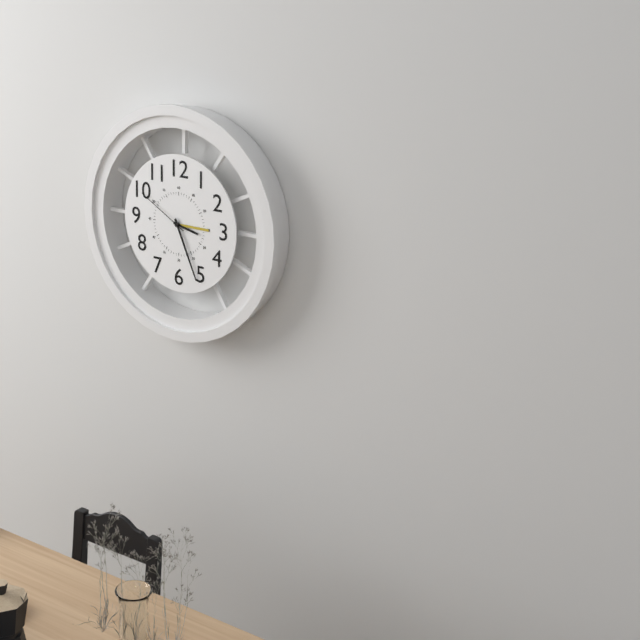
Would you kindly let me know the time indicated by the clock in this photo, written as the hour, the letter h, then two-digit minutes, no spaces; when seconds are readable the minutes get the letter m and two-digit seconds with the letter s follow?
3h26m50s
